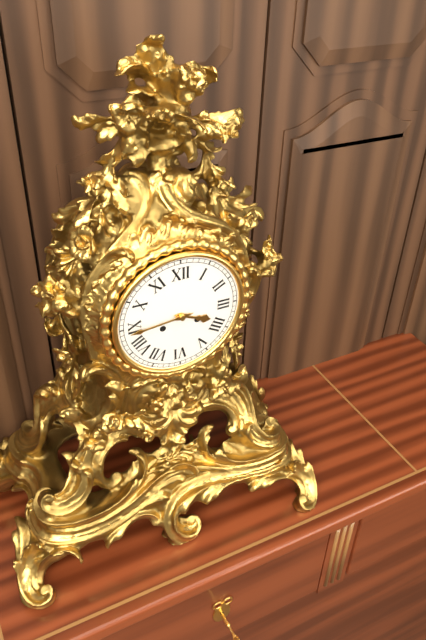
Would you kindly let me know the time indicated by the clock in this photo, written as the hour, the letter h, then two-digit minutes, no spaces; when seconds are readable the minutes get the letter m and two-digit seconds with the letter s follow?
3h44
